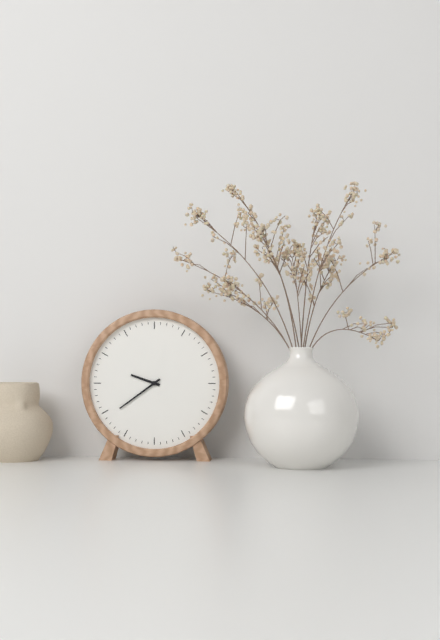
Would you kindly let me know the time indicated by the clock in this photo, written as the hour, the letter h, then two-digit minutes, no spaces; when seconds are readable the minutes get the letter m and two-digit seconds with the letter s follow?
9h39
